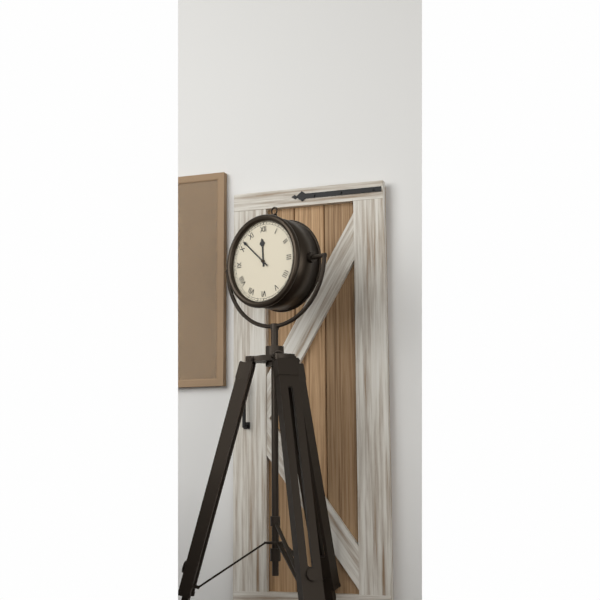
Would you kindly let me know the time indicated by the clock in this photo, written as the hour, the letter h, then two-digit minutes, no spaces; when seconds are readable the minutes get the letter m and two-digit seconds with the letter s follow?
11h52
